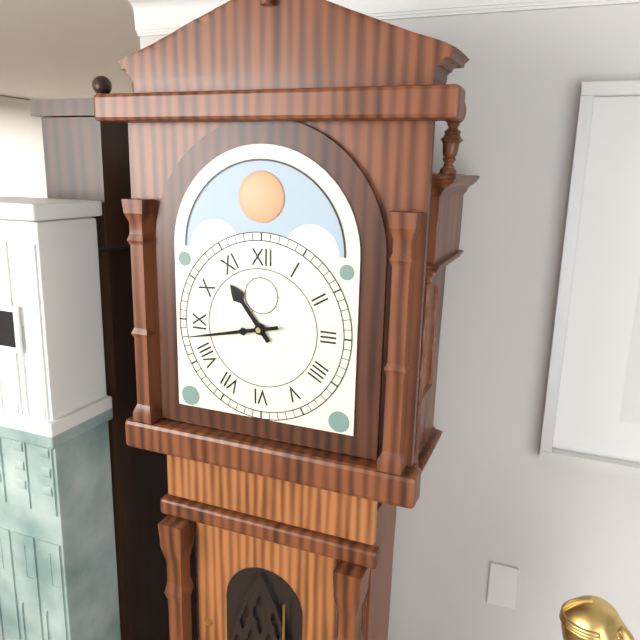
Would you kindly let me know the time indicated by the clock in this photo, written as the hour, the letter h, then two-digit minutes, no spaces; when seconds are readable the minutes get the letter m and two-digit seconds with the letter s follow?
10h43
